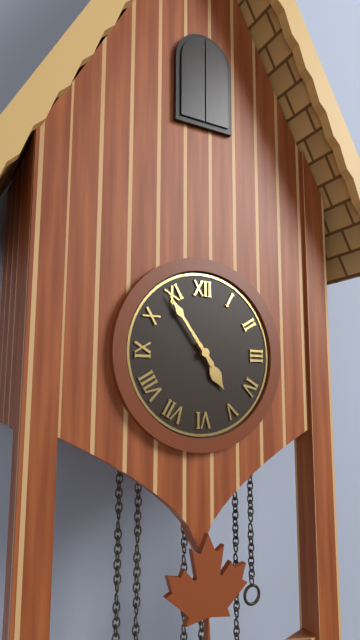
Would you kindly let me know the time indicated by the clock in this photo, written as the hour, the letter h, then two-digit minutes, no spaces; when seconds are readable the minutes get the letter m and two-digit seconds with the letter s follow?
4h54
